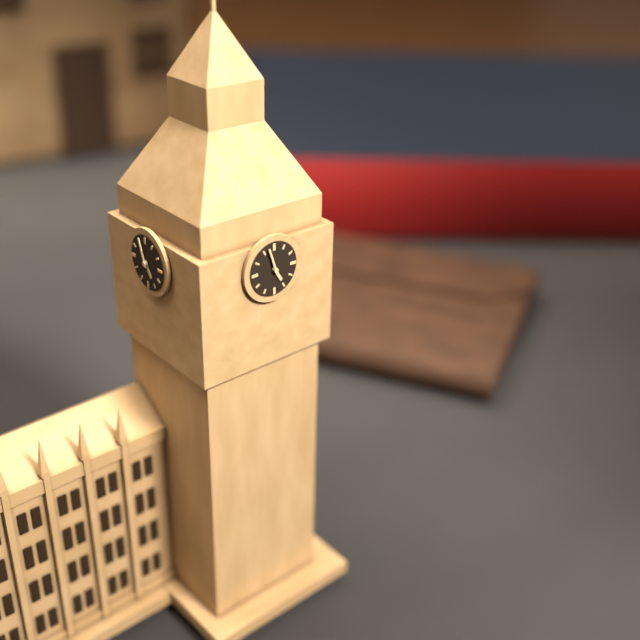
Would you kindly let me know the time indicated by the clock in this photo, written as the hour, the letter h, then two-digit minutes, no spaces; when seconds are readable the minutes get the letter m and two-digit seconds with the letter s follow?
4h57
